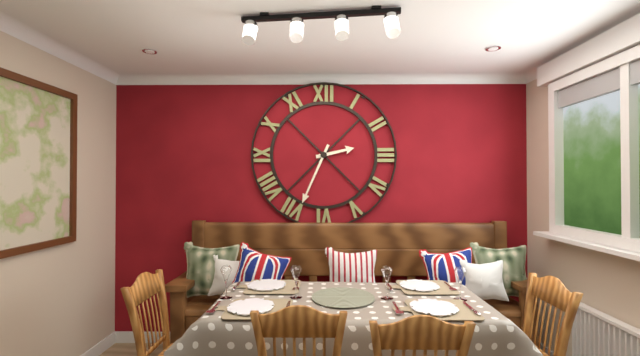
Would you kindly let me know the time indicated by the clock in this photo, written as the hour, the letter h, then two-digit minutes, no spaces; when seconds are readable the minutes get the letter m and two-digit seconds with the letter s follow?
2h34
